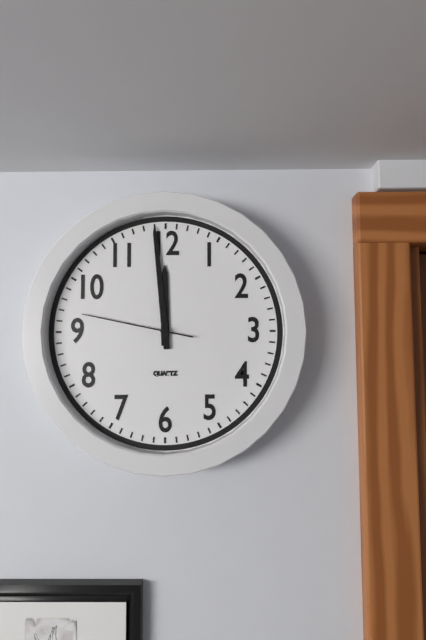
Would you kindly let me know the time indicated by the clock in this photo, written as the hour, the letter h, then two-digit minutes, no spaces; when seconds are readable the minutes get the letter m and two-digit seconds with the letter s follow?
11h59m47s
